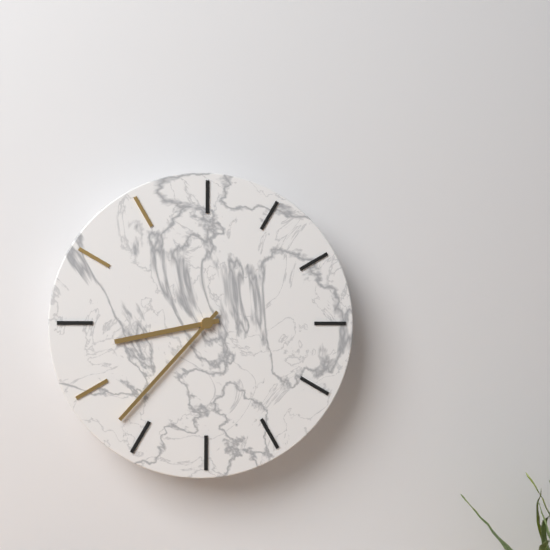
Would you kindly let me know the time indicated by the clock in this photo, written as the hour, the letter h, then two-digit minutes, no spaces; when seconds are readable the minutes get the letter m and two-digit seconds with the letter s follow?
8h37
